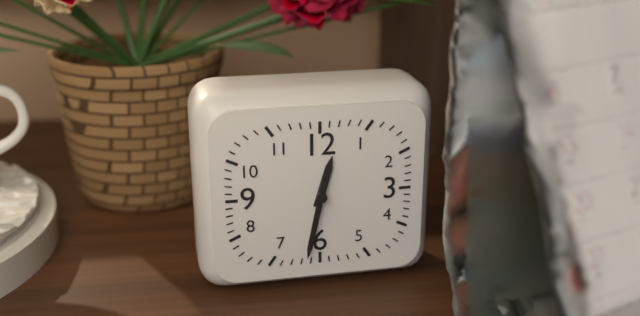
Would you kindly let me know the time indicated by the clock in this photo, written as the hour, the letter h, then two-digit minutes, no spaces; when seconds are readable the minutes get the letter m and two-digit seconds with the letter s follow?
12h32
